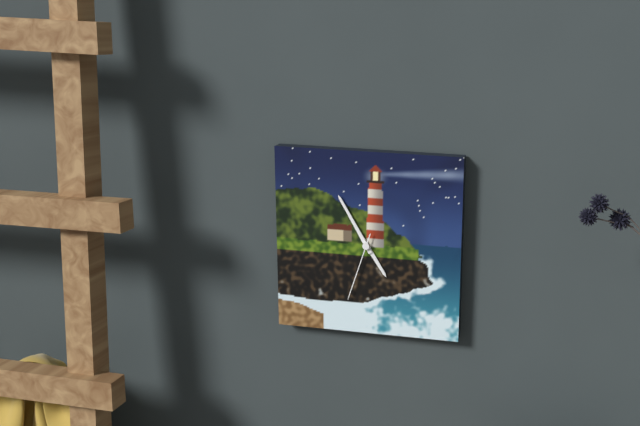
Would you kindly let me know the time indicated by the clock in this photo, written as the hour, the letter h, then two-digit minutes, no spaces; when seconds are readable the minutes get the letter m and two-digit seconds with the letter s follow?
4h55m33s
